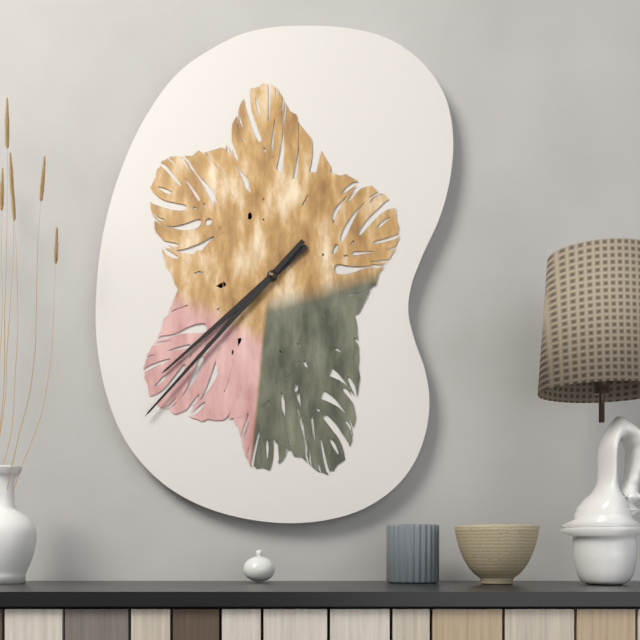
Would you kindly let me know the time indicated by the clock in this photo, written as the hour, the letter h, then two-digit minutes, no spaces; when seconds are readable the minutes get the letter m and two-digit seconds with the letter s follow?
7h37
